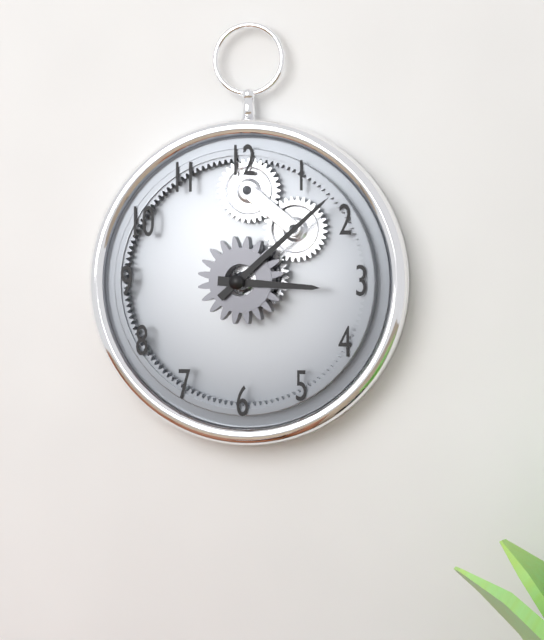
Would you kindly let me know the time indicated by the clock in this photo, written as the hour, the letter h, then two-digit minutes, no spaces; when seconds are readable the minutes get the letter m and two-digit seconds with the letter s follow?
3h08
